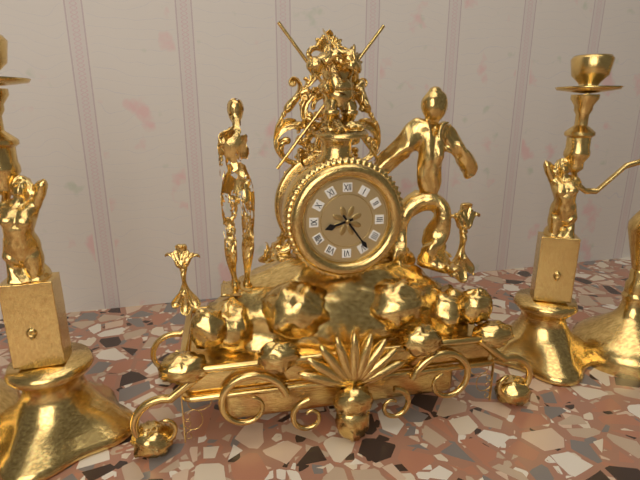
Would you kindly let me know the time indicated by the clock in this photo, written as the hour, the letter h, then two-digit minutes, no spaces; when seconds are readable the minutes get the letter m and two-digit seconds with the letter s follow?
8h24
